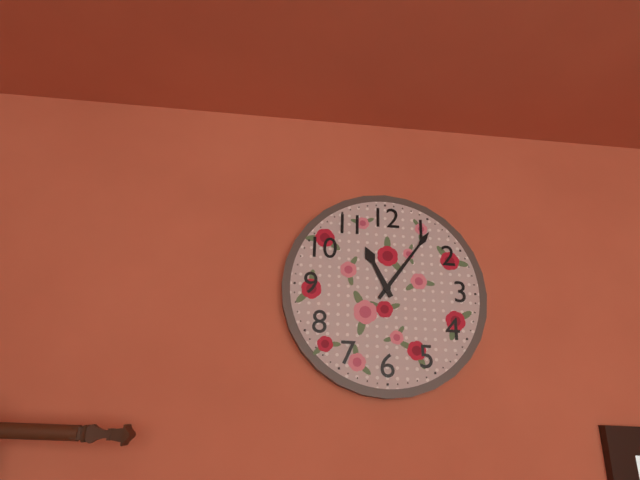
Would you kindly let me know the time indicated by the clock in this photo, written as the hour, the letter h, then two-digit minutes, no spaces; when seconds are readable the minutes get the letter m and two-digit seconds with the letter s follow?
11h06
